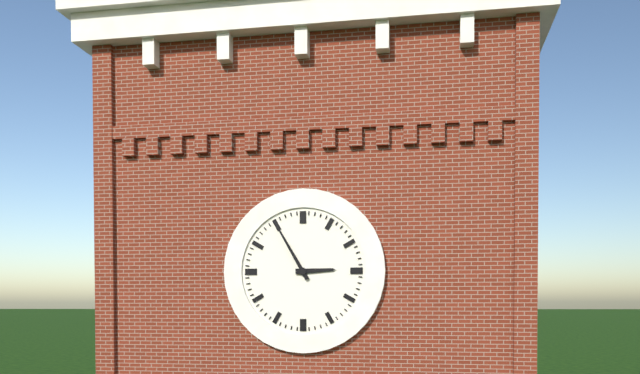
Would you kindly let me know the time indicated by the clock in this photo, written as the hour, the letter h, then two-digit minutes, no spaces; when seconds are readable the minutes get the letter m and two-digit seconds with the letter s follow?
2h55
